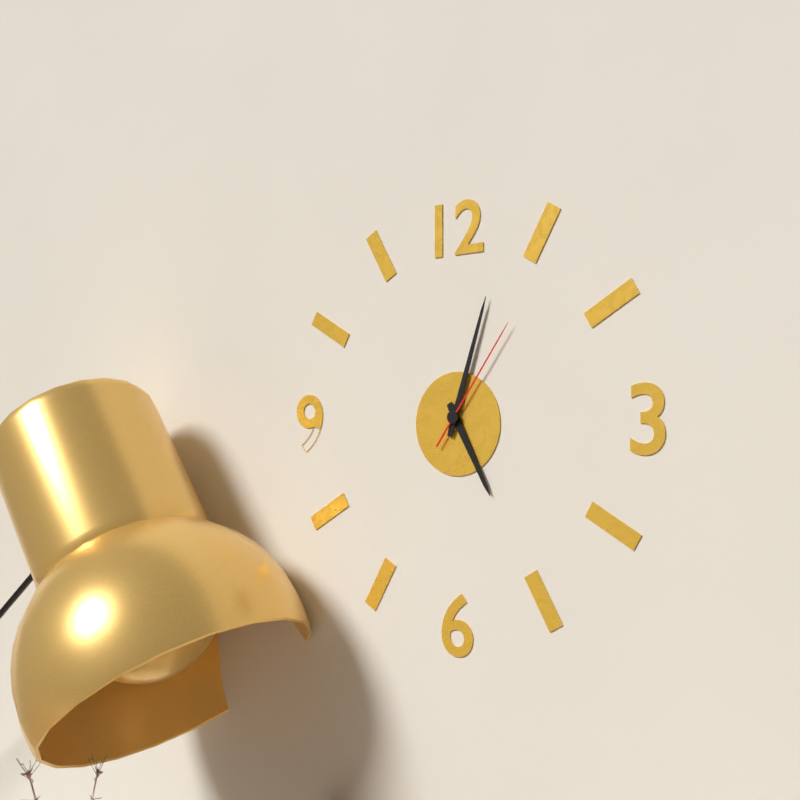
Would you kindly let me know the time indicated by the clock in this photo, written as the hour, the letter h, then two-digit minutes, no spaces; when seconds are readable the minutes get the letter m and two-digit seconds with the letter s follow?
5h03m06s
